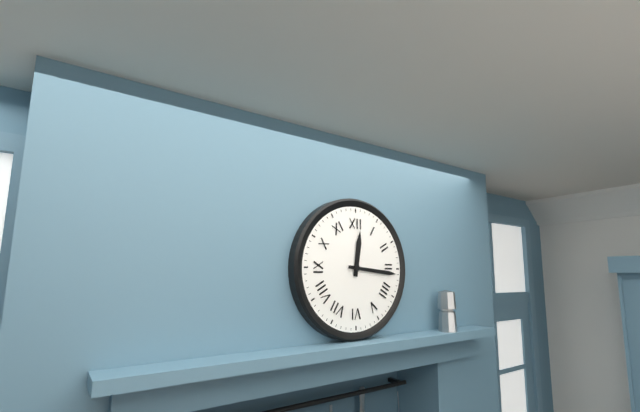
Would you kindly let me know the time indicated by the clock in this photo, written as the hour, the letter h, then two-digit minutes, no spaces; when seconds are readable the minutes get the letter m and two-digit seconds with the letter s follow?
12h16
